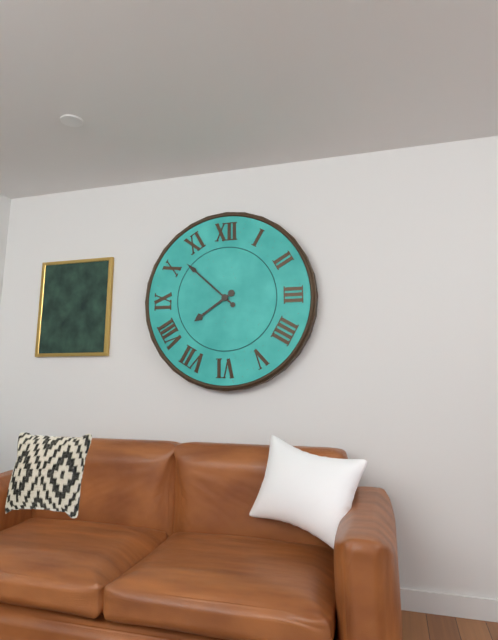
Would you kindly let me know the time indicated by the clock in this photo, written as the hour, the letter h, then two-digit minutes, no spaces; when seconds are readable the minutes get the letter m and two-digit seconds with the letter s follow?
7h52
